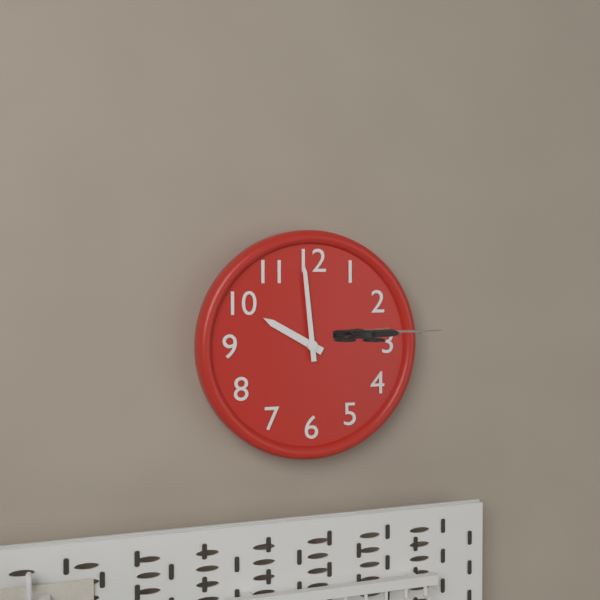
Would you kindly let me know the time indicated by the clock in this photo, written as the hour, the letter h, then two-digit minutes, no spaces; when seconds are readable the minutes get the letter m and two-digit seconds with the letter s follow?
9h59
